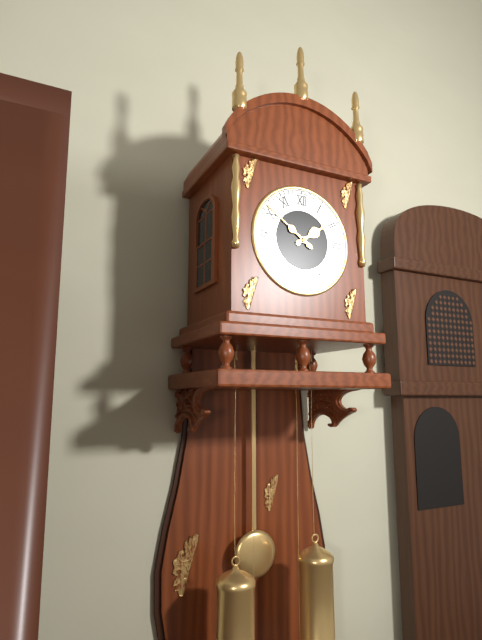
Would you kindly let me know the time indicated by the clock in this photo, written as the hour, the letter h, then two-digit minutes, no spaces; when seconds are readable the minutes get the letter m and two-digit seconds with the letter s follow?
1h51
